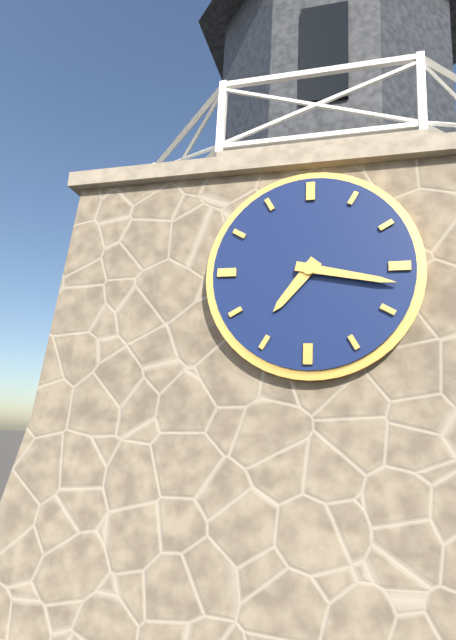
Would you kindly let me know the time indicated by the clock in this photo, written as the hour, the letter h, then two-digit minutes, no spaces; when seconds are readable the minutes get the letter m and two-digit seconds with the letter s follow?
7h17
